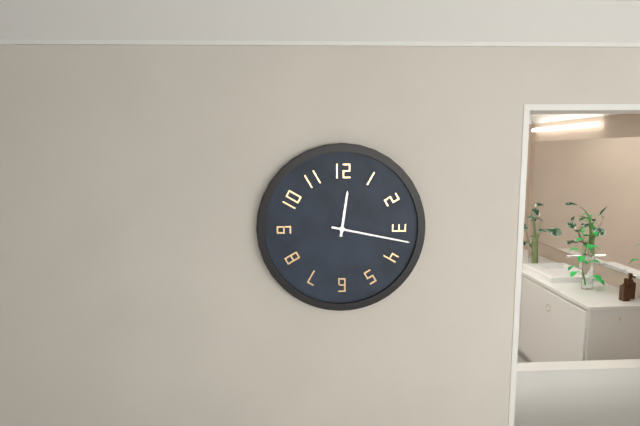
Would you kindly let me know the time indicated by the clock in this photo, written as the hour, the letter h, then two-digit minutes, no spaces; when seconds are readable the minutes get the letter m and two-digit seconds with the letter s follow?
12h17
